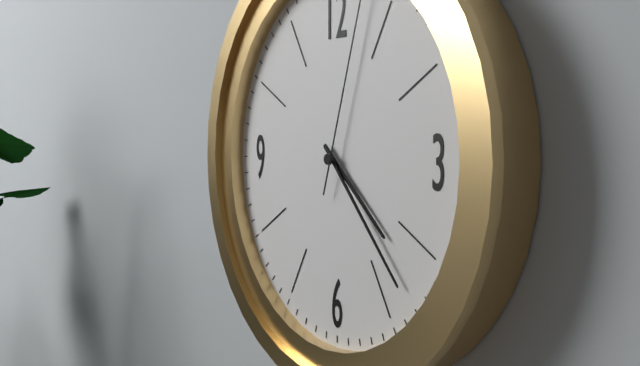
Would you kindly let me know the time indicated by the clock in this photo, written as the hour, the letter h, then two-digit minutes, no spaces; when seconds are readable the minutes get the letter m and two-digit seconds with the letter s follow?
4h23
